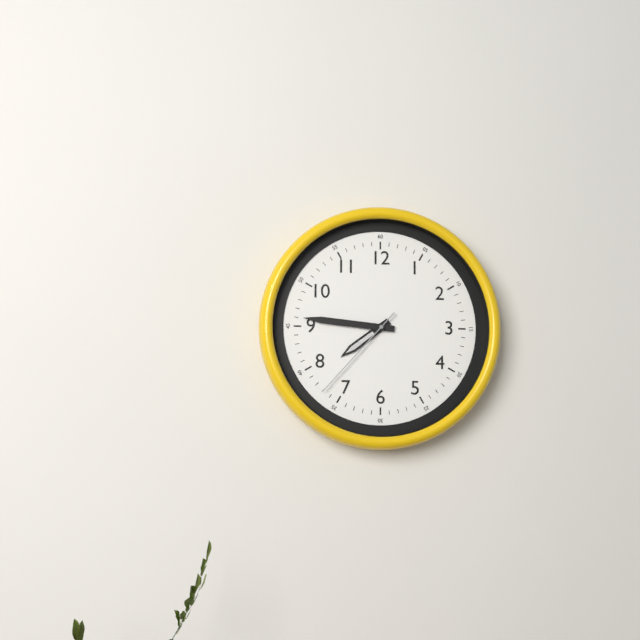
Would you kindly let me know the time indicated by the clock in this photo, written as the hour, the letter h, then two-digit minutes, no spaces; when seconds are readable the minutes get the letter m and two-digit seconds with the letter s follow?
7h46m37s
